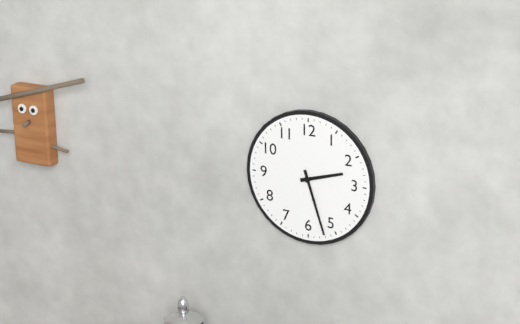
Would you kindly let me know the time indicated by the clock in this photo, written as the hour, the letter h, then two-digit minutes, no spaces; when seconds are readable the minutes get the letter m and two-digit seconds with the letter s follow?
2h27
